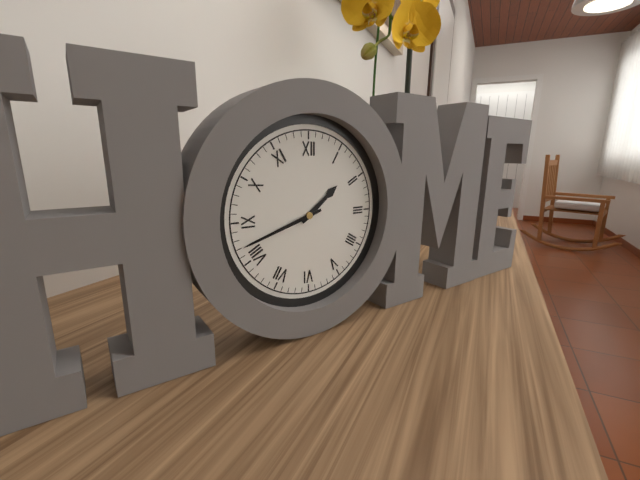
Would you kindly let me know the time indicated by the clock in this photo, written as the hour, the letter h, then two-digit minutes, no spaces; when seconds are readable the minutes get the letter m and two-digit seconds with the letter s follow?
1h42
